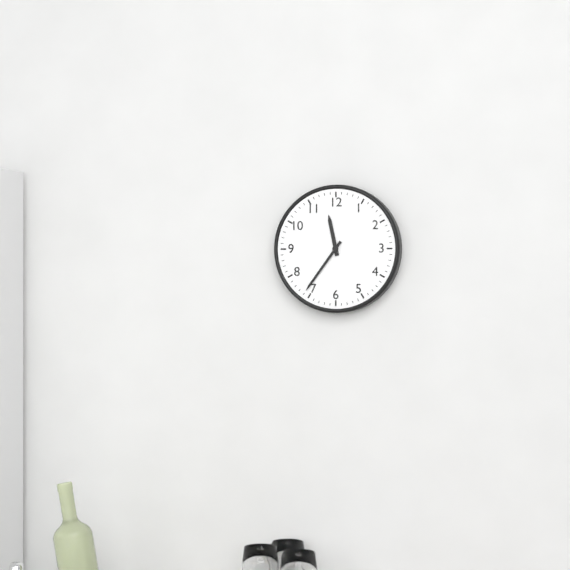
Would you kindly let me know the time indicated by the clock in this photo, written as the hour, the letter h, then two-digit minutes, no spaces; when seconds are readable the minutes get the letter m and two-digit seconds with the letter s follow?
11h36
